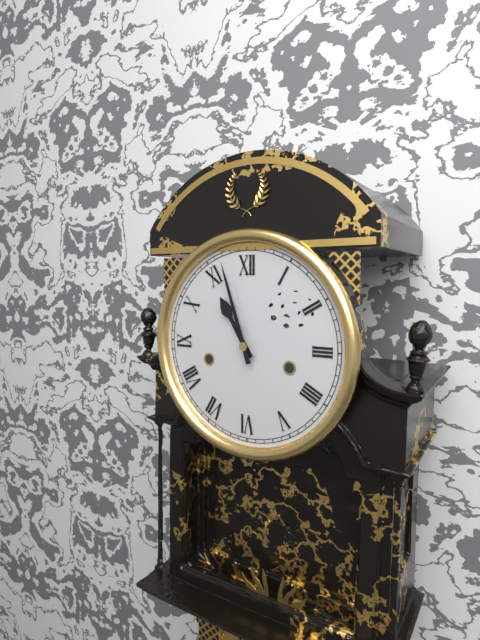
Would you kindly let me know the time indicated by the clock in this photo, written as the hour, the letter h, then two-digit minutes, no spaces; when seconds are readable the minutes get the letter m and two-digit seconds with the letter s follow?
10h57
